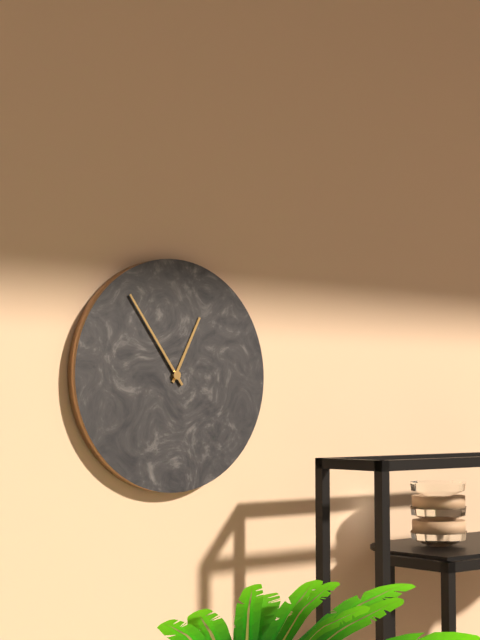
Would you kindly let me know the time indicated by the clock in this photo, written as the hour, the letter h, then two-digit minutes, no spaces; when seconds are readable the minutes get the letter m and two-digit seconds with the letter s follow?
12h54
